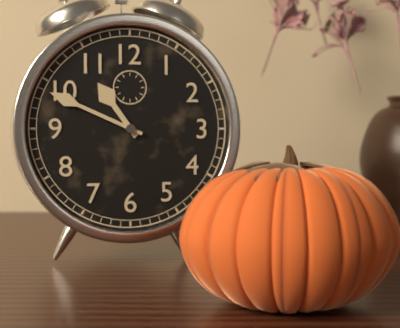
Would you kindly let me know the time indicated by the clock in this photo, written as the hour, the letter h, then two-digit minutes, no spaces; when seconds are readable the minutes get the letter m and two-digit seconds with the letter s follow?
10h49
